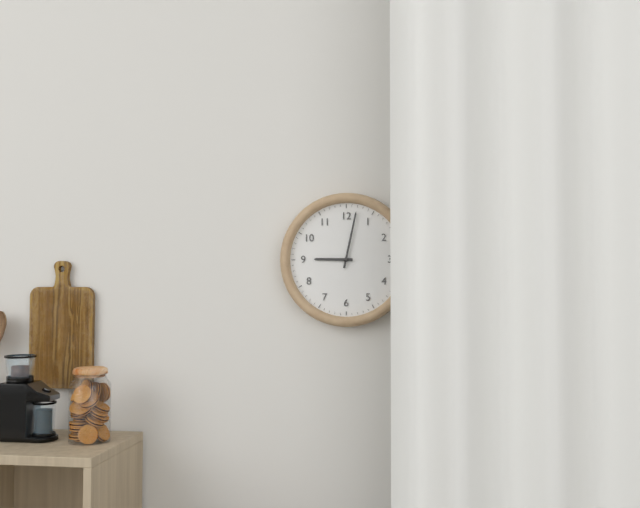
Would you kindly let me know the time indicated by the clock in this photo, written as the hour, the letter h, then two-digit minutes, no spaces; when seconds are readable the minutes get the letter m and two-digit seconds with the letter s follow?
9h02
